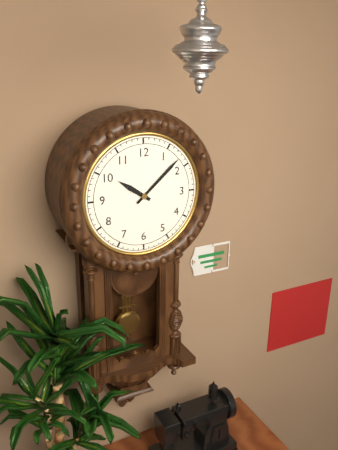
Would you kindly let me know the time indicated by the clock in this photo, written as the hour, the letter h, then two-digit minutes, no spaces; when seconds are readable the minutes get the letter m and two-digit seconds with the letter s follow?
10h08
